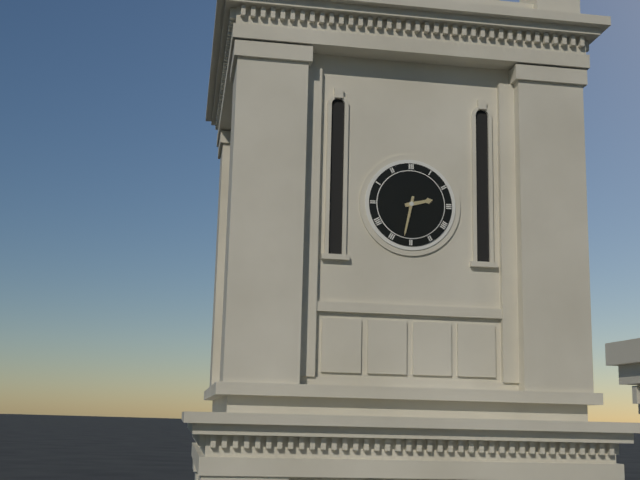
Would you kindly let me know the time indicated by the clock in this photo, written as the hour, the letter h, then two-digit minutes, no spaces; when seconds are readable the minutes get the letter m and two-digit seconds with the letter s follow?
2h32
